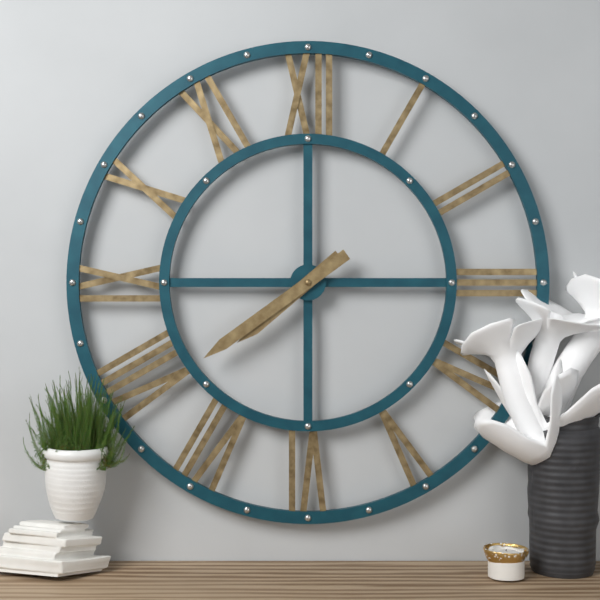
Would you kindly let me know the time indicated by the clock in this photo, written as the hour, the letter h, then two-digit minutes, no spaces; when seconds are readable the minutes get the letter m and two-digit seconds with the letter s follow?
7h39
